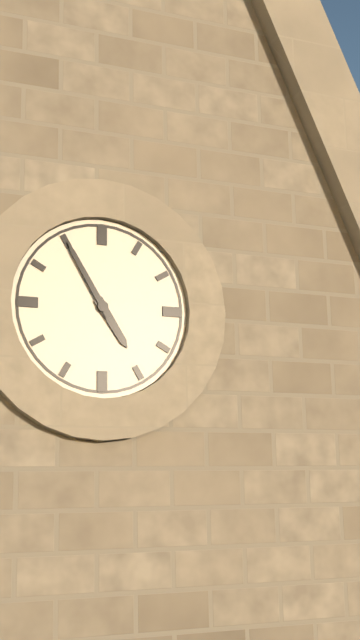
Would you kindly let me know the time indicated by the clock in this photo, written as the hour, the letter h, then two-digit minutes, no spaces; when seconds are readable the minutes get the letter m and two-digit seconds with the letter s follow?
4h55
